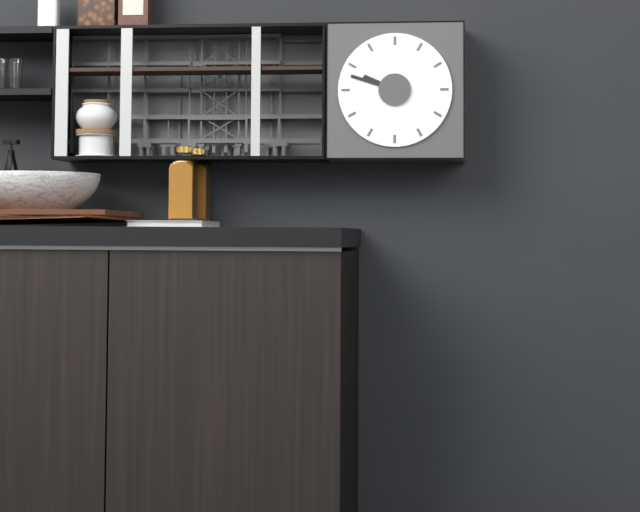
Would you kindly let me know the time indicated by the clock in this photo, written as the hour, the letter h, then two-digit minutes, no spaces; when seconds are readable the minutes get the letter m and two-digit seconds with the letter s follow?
9h48
